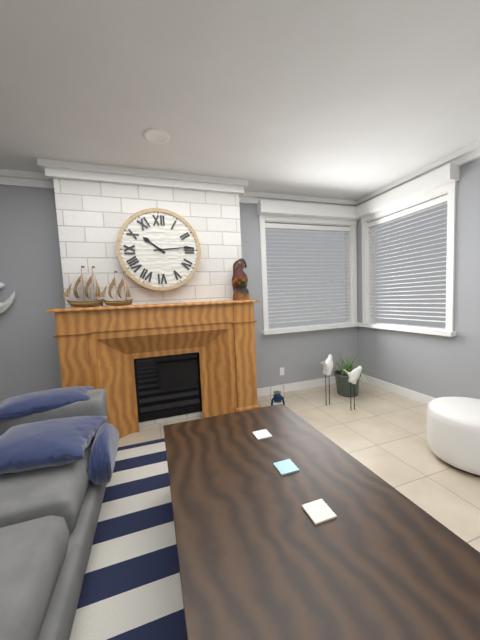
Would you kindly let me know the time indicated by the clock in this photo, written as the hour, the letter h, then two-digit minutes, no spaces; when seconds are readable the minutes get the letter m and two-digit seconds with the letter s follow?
10h14
